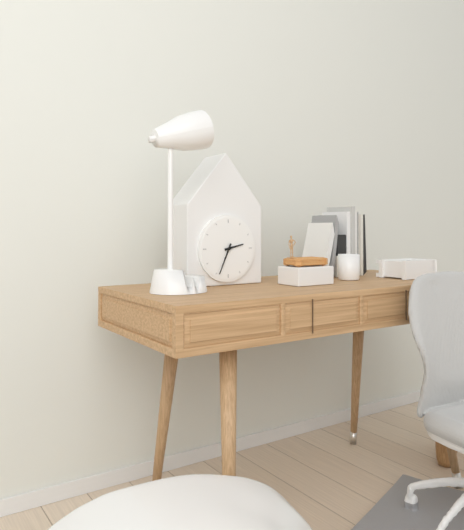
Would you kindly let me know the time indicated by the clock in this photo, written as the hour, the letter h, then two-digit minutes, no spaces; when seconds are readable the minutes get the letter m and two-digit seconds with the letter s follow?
2h34
